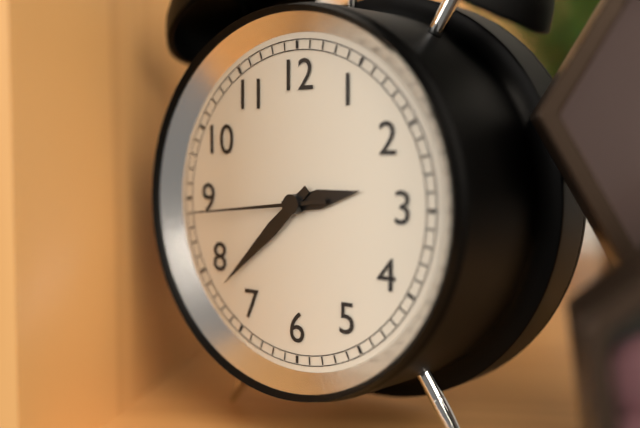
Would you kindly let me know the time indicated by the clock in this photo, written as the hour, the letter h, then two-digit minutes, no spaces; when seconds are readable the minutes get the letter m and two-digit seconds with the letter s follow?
2h38m44s
